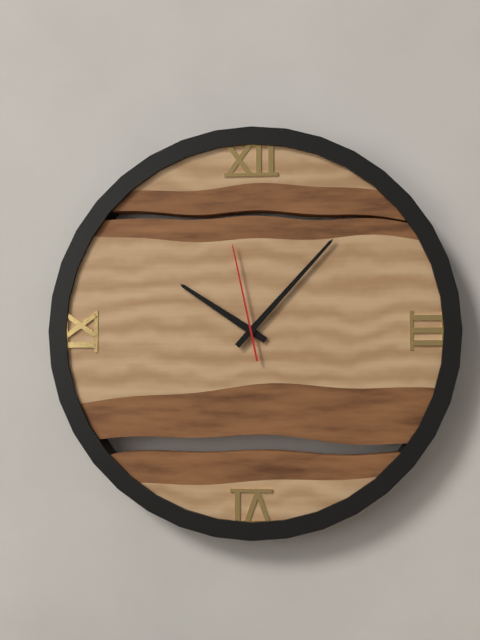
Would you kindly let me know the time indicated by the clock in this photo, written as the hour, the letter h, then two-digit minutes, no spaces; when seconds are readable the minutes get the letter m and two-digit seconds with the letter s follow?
10h07m58s
